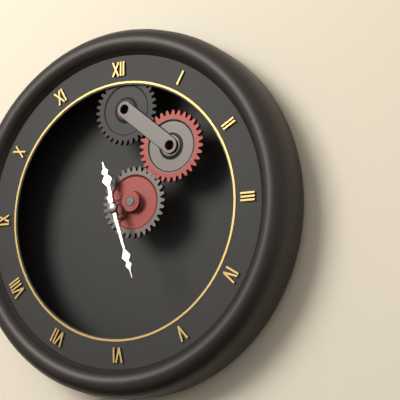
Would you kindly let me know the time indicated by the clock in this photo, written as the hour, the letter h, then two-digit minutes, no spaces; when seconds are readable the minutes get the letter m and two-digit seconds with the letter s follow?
11h27
